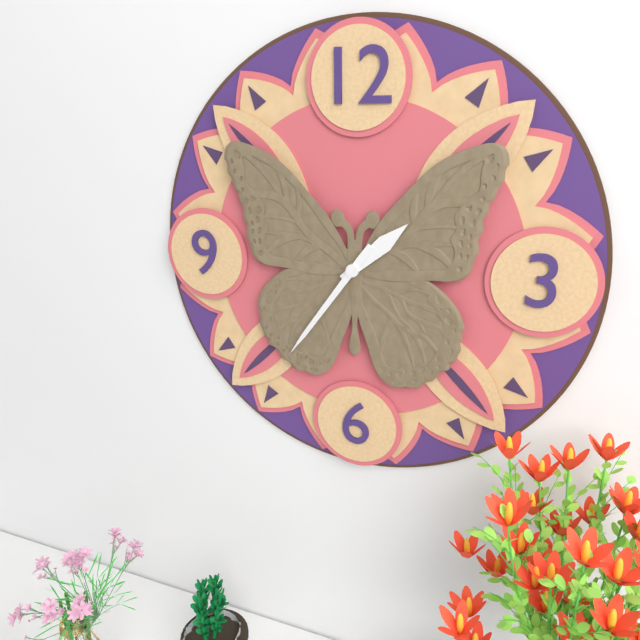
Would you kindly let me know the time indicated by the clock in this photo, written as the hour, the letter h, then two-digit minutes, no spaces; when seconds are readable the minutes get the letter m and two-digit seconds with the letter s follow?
1h36
